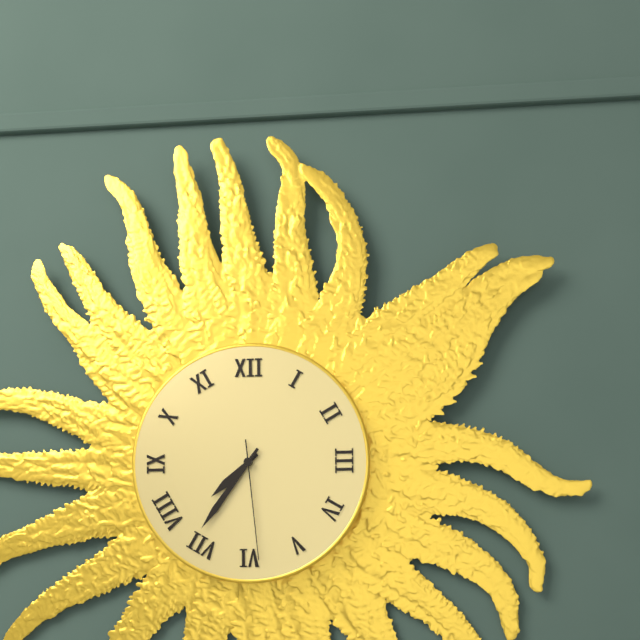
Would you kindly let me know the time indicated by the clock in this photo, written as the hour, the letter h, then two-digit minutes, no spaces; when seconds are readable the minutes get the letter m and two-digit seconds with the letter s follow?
7h36m29s
